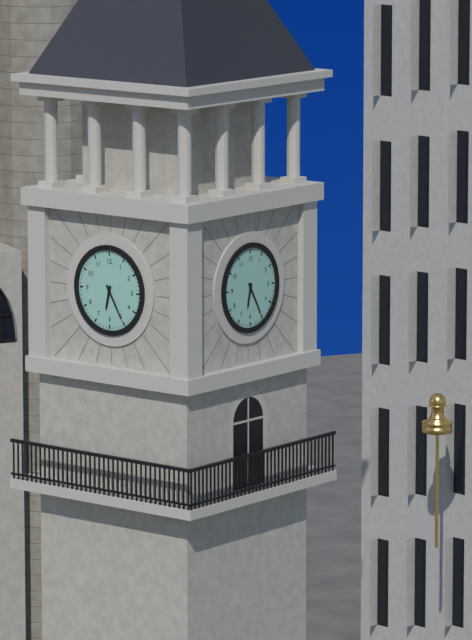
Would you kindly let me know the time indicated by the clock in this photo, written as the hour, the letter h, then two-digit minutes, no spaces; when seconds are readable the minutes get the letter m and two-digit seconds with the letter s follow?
6h25
